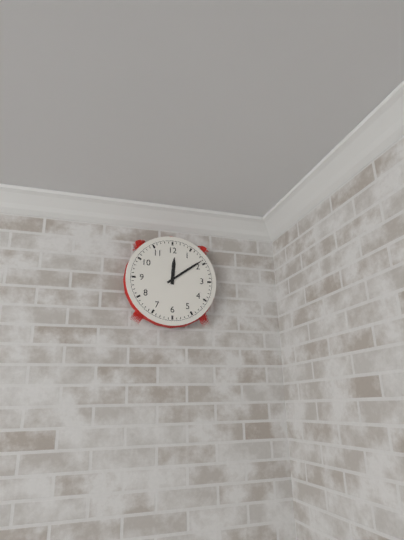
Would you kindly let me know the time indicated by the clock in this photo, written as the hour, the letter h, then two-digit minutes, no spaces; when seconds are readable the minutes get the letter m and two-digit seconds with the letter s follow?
12h09
